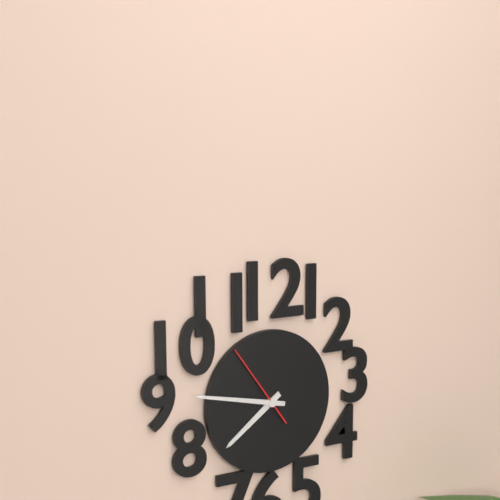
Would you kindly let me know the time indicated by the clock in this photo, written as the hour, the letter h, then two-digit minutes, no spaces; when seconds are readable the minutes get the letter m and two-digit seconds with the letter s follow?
7h47m54s
